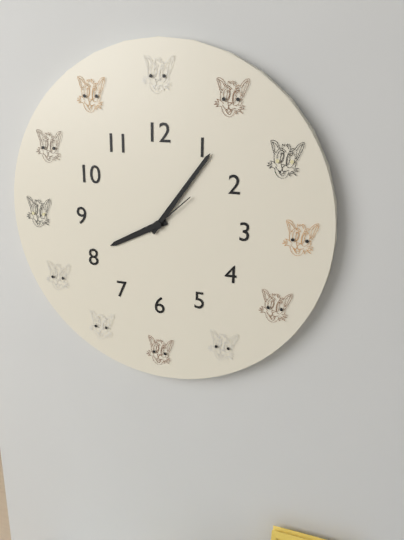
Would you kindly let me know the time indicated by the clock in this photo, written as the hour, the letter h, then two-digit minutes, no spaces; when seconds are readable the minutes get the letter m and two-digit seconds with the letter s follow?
8h06m08s
